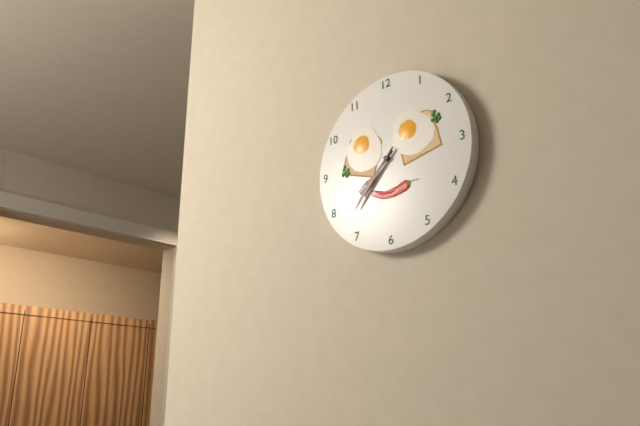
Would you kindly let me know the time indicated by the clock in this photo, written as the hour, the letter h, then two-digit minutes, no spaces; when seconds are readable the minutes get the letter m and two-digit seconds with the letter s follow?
7h37
